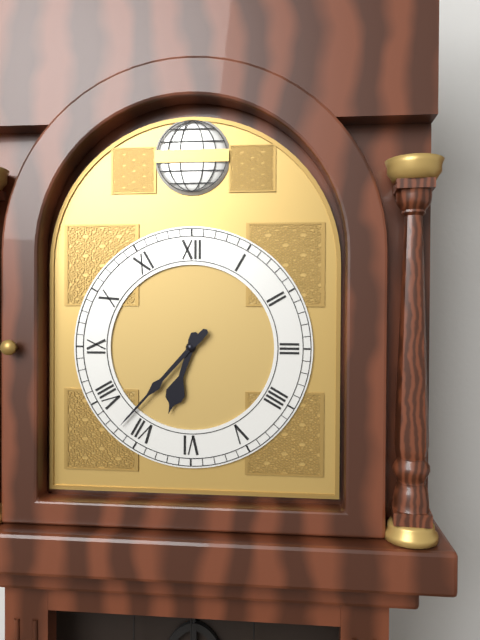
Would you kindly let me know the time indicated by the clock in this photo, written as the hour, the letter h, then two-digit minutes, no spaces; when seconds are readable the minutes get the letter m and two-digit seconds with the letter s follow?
6h37
